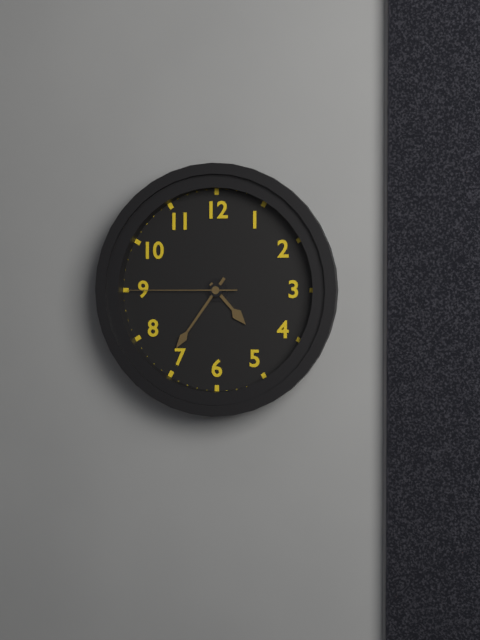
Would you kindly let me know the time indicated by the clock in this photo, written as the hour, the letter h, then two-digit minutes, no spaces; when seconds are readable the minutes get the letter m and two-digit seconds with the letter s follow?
4h36m45s
